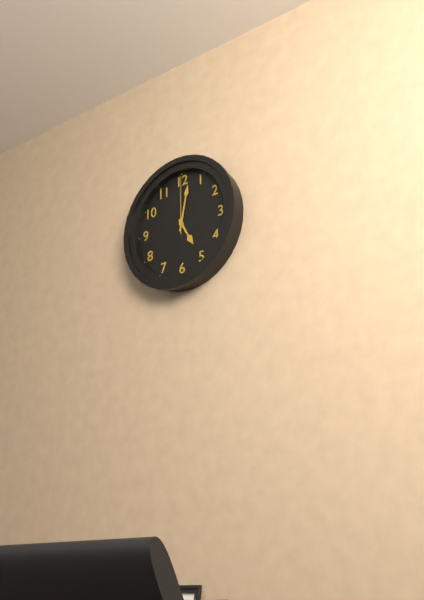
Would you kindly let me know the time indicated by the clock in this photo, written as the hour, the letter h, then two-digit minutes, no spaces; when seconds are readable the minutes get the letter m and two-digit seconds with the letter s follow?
5h02m00s
